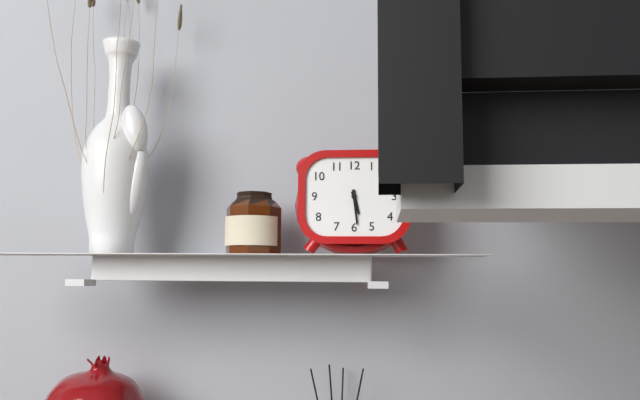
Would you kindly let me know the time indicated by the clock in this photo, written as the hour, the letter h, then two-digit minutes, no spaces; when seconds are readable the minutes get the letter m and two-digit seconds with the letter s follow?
5h29
